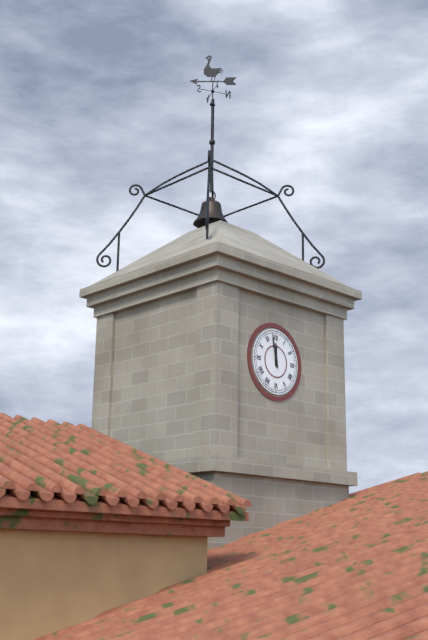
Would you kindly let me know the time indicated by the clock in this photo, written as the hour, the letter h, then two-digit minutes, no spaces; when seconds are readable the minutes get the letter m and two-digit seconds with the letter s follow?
11h58
